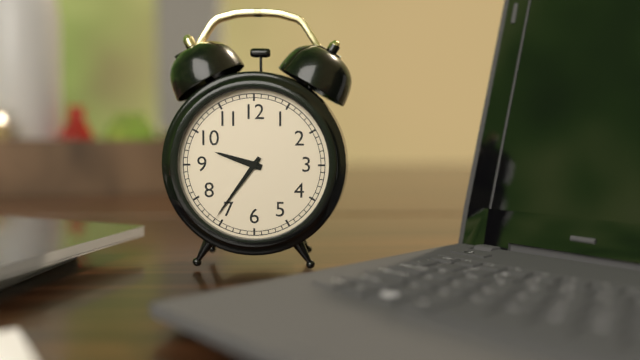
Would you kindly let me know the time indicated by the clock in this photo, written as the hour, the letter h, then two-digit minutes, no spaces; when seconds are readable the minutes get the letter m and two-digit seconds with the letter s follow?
9h36
